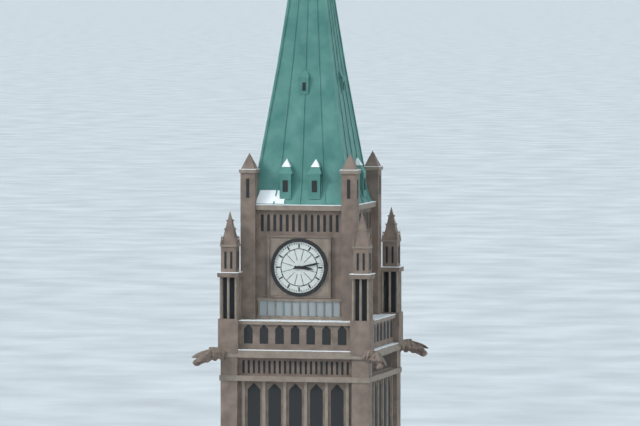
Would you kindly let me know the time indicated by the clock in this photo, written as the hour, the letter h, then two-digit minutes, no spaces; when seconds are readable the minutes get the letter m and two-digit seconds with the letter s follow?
3h13
